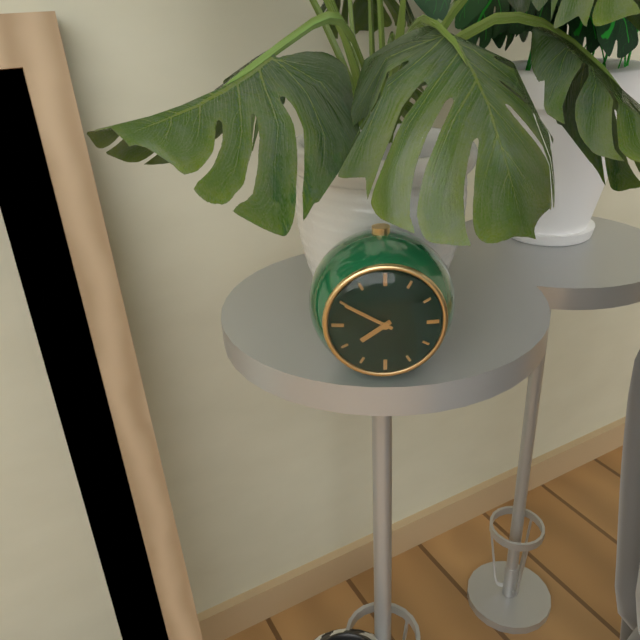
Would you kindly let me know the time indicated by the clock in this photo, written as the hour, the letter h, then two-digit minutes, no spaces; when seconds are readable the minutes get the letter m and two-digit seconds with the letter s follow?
7h50
